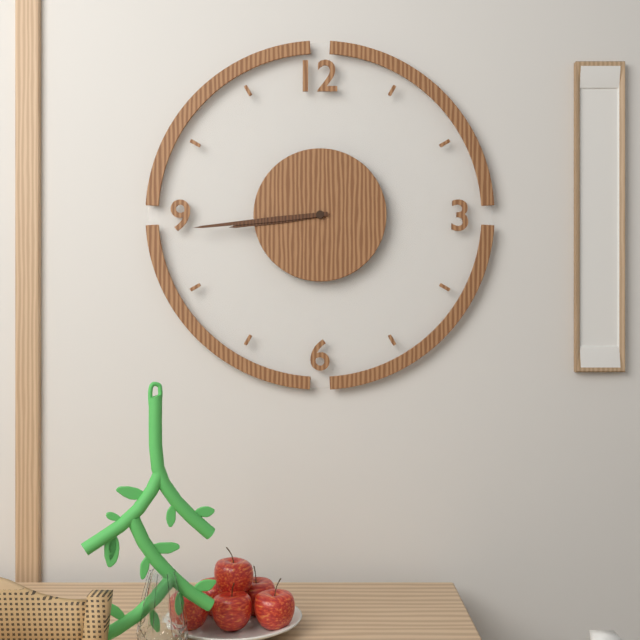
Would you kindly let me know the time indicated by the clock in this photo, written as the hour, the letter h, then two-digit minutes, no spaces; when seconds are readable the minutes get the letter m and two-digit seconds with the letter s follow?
8h44
